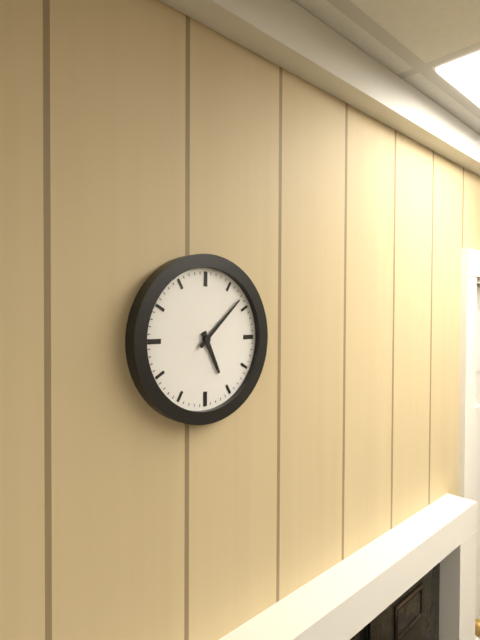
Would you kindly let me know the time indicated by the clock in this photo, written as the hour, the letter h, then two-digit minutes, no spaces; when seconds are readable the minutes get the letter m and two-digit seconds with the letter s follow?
5h08
